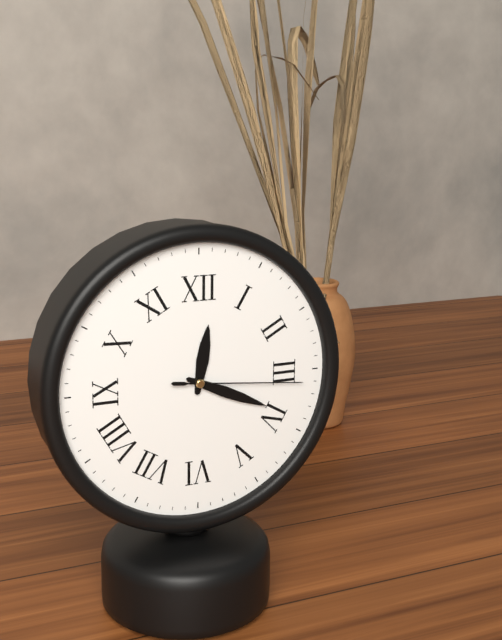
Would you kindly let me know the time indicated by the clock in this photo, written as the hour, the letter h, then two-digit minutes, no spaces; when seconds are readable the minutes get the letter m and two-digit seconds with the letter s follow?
12h19m16s
